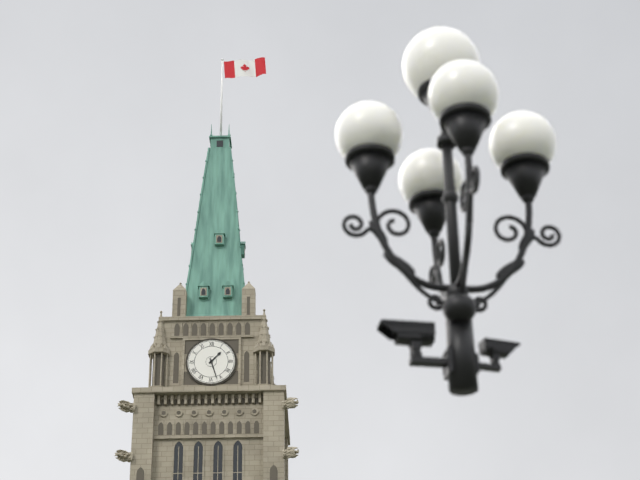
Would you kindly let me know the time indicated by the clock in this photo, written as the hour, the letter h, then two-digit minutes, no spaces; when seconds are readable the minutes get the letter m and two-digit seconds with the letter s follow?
1h27
